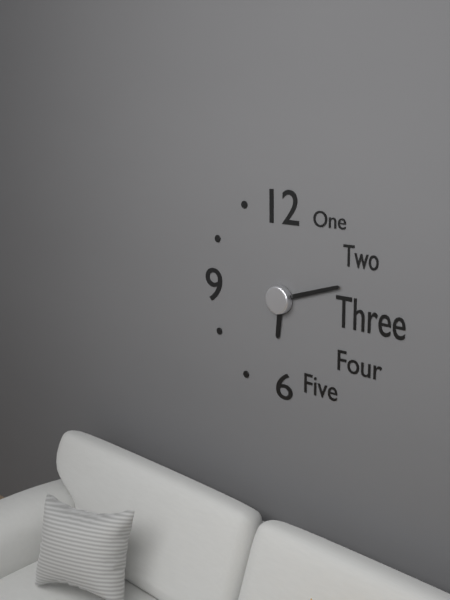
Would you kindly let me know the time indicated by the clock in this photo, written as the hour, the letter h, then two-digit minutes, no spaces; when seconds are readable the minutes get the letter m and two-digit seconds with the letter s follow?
6h12
